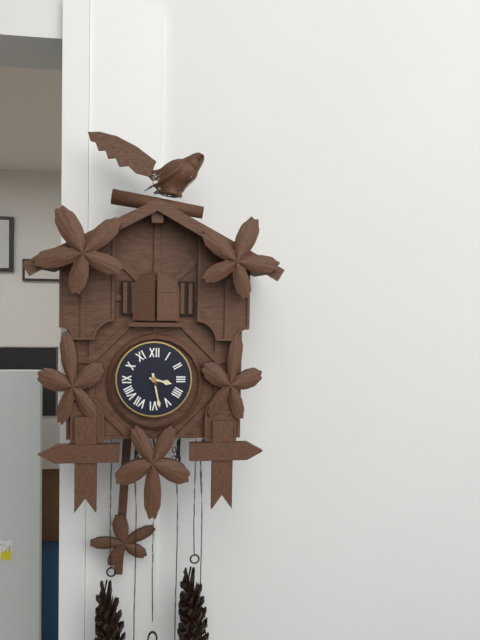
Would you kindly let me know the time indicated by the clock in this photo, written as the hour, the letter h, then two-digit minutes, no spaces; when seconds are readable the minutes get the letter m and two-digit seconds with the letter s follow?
3h28
